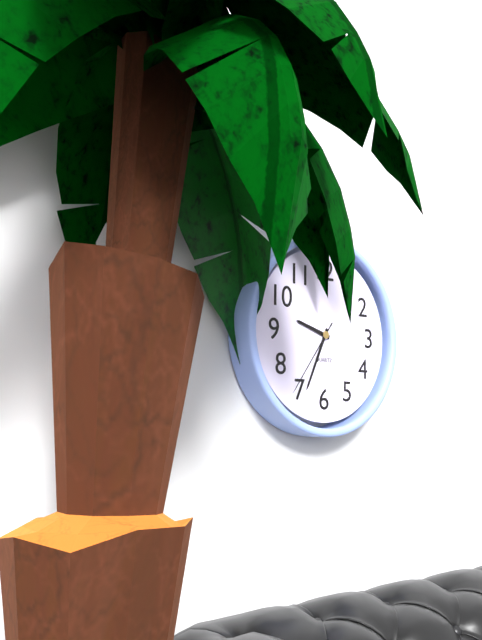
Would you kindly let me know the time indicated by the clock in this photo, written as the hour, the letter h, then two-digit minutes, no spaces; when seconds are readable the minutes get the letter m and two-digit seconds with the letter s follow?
9h34m36s
